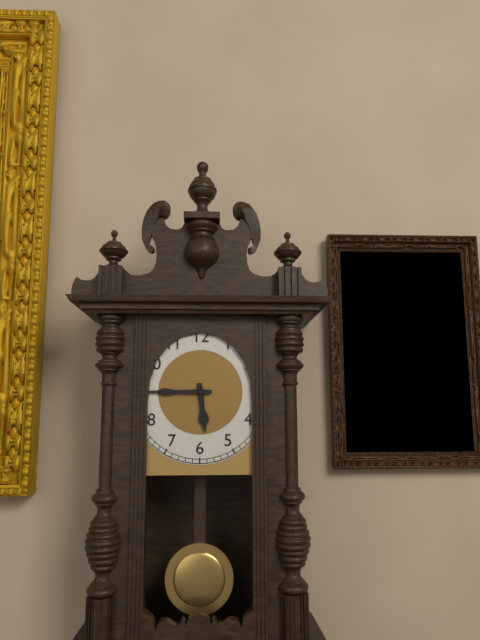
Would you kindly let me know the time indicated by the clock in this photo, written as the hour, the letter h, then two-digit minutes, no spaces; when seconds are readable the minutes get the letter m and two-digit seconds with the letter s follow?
5h45
